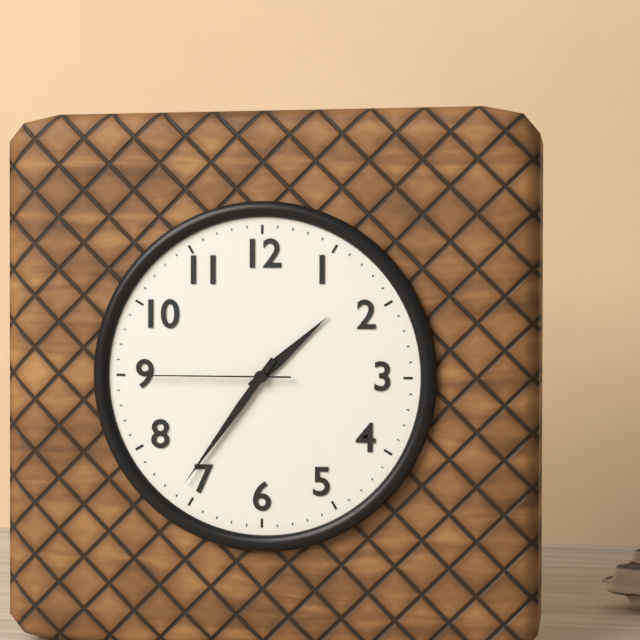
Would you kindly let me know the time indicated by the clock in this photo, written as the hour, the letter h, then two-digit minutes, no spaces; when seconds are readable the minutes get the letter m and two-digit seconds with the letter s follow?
1h36m45s
